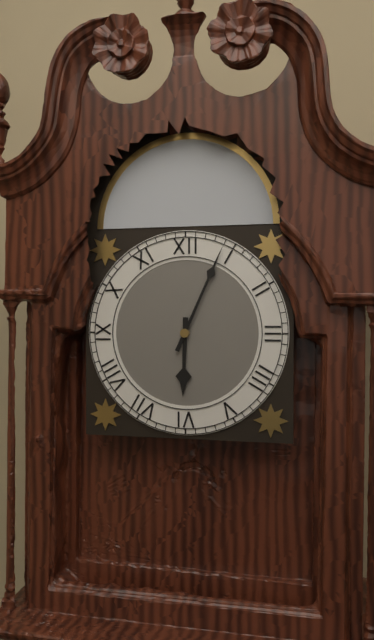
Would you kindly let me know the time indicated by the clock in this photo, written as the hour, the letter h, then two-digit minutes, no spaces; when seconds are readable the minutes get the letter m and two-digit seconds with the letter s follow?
6h04
